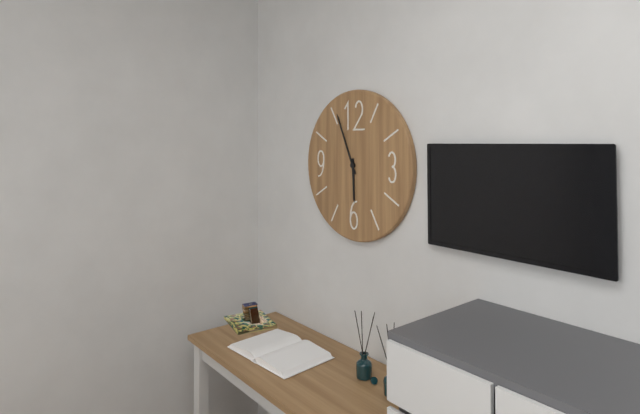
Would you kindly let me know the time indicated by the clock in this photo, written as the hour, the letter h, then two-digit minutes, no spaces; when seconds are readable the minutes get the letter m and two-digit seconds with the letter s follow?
5h56
